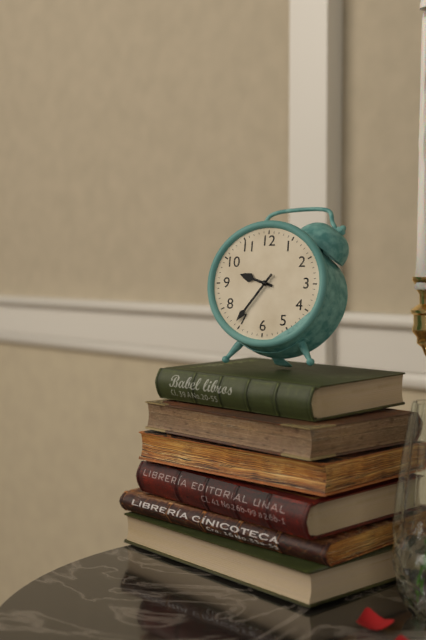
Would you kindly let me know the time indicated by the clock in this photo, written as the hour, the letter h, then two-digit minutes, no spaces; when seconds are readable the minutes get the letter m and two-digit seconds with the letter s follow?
9h36
